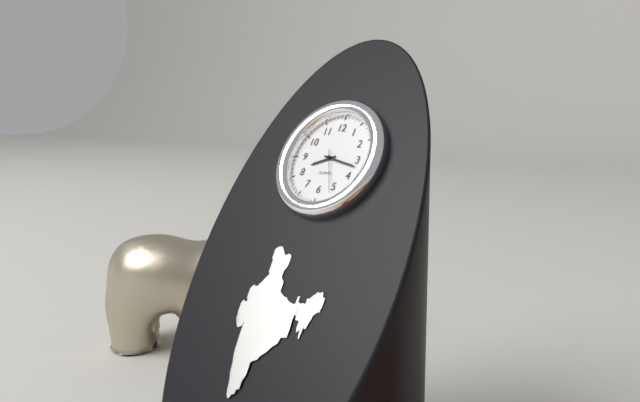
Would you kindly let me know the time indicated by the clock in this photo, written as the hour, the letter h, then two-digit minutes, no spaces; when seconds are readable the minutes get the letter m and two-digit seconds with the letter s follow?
8h17
